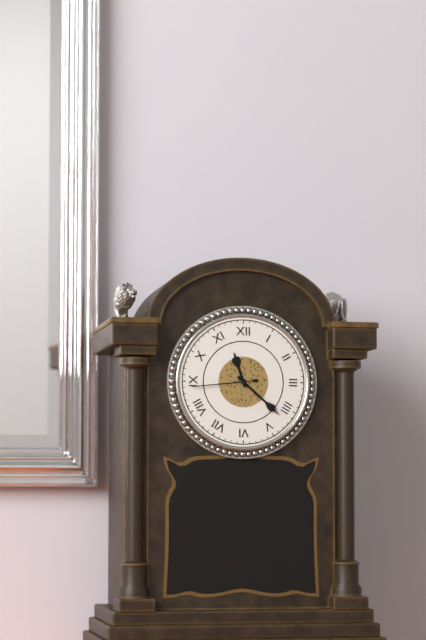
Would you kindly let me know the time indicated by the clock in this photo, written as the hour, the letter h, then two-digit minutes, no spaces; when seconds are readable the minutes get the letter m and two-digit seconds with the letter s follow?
11h22m44s
